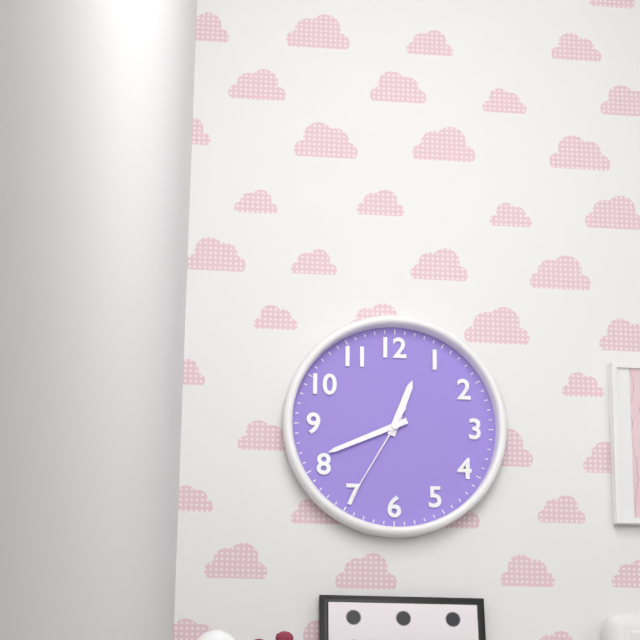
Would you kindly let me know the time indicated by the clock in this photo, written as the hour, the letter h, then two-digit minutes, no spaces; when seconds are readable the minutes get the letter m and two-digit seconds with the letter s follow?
12h41m35s
